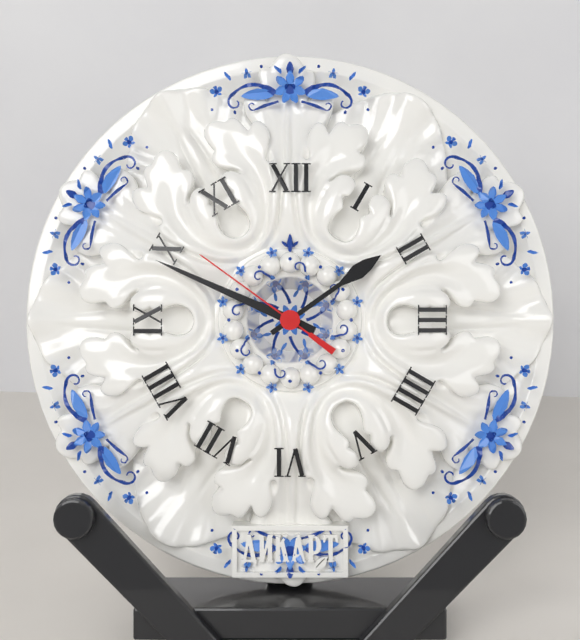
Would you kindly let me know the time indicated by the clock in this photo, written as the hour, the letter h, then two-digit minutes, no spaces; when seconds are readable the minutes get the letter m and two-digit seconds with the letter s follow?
1h49m51s
